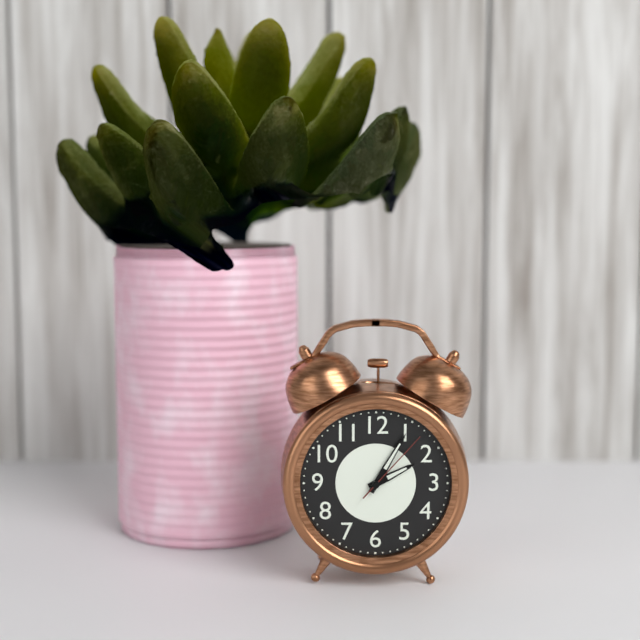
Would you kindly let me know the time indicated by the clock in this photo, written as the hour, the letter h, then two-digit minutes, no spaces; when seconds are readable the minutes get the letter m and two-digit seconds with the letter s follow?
2h05m07s
